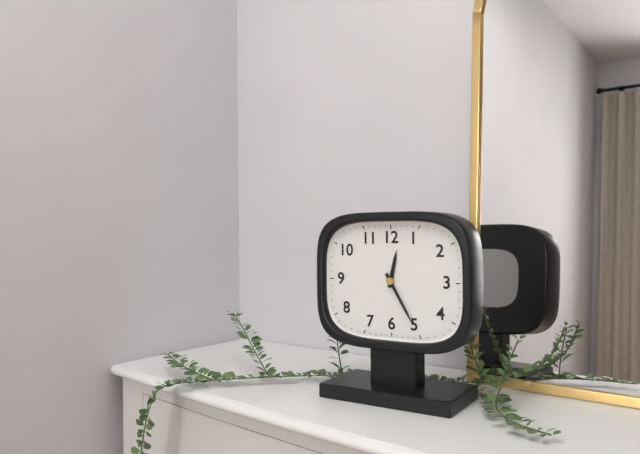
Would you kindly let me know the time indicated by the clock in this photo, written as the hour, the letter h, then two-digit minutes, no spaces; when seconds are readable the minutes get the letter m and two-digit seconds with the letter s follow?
12h25
